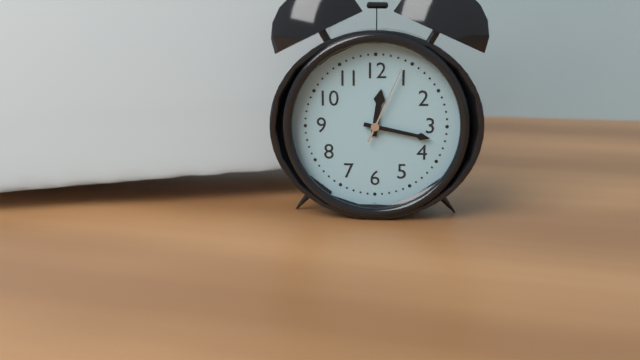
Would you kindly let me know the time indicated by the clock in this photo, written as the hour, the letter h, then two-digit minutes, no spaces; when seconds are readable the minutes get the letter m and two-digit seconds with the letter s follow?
12h17m04s
